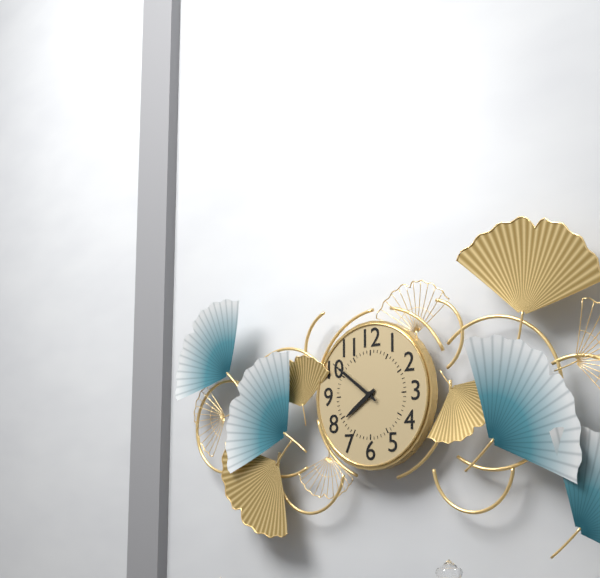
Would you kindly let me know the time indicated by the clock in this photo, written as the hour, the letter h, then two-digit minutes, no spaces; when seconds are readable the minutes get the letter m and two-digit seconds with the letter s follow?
7h51
